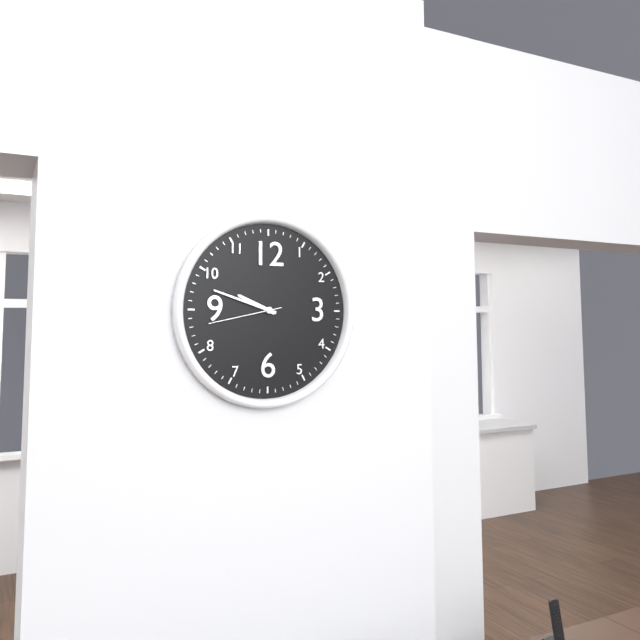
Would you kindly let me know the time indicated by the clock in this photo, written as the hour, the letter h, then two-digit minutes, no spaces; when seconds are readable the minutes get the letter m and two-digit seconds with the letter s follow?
9h48m43s
